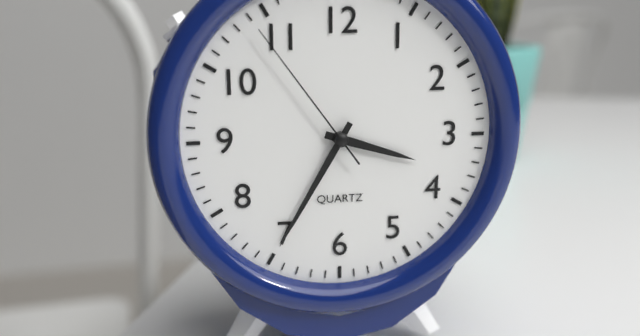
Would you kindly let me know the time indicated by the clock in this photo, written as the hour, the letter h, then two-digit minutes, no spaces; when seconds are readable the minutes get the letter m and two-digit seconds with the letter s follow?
3h35m54s
